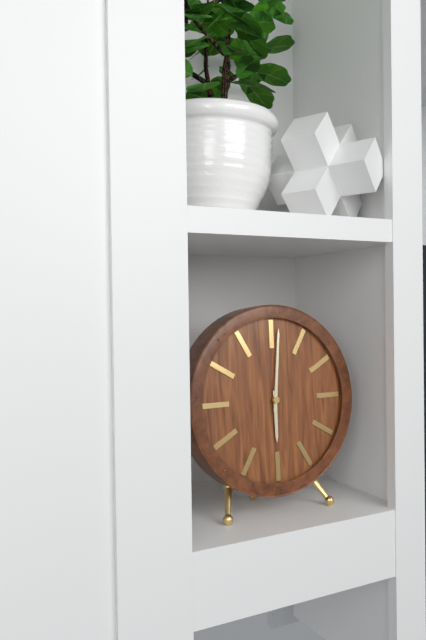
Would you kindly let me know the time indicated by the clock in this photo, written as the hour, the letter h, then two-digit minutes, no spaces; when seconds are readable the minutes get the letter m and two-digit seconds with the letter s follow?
6h01
